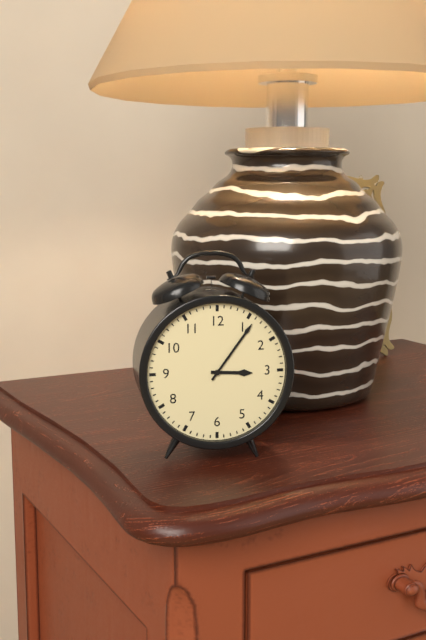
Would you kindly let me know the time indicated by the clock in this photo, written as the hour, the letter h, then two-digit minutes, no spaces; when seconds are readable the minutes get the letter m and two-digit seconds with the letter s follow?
3h06
